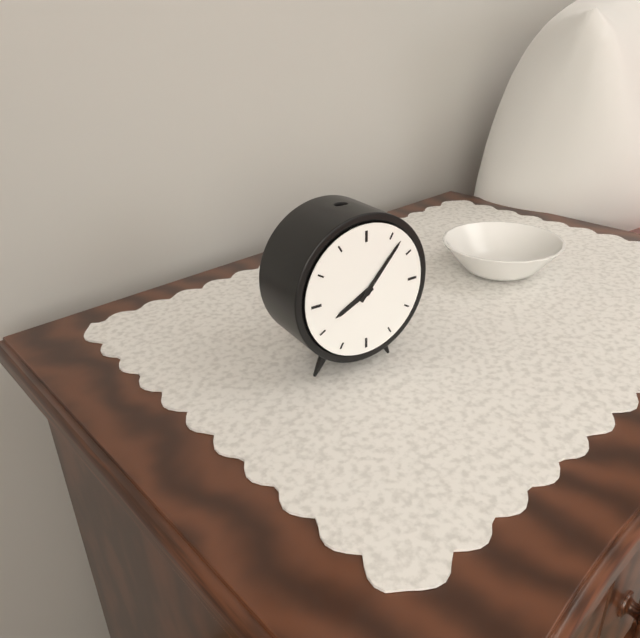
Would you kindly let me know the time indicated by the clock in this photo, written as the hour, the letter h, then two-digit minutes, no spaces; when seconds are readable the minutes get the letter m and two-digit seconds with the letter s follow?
8h07
